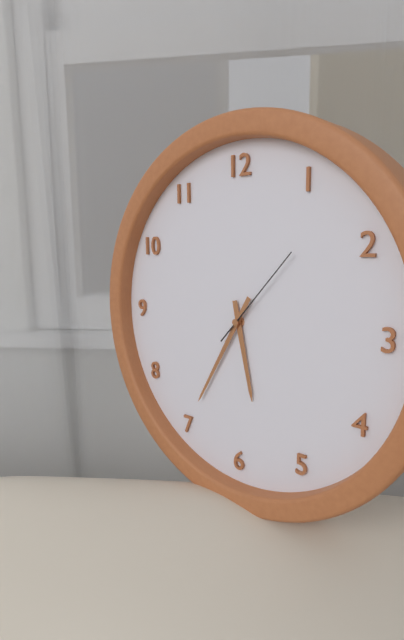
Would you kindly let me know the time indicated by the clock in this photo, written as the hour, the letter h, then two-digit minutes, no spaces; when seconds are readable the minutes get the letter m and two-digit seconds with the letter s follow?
5h35m07s
